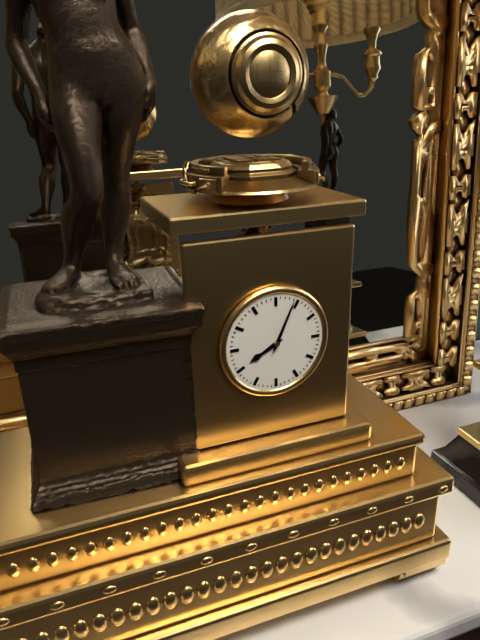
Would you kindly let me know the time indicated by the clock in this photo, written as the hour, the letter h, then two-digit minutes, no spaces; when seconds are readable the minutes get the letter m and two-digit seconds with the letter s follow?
8h04
